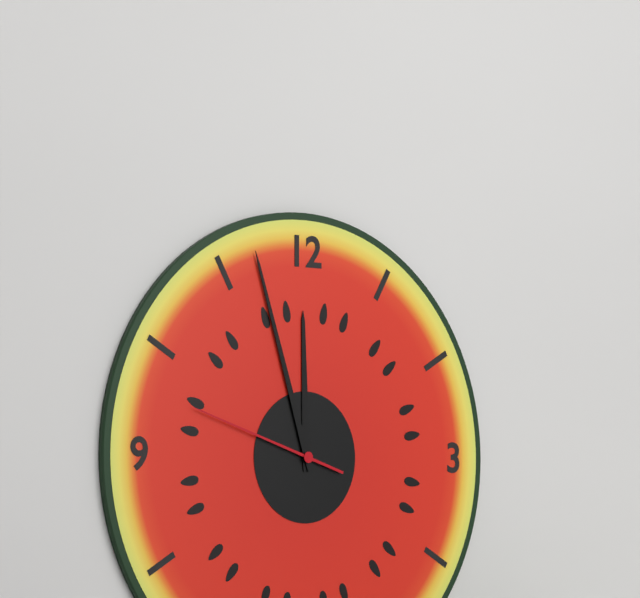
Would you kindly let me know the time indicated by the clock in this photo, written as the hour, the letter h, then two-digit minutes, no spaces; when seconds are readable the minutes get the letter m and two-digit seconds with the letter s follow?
11h57m48s
